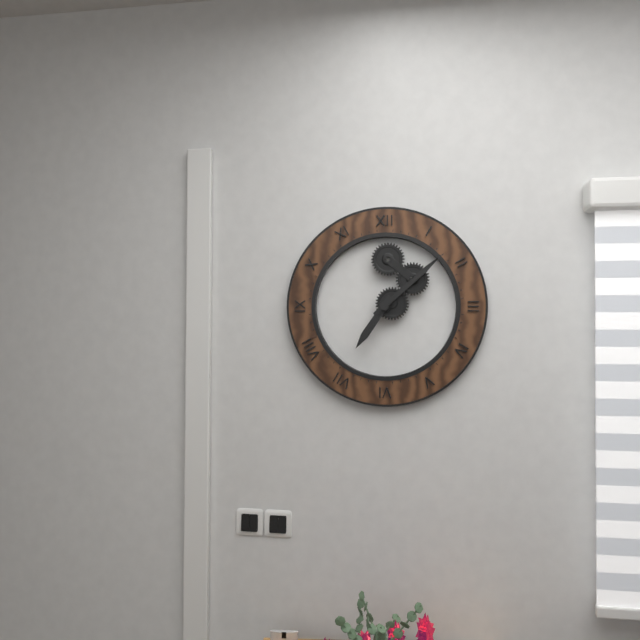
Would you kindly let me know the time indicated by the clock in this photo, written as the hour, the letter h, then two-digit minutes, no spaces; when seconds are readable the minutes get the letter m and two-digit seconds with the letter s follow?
7h08
